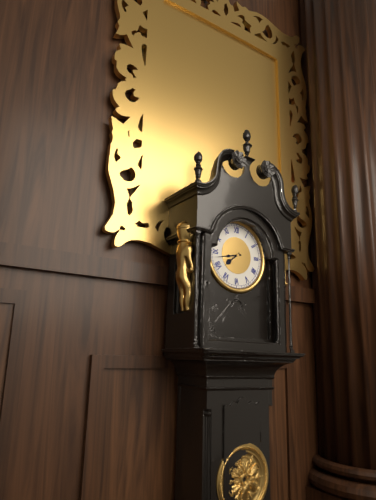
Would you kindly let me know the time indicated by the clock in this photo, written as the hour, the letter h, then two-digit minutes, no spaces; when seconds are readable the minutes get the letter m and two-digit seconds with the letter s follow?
7h43
